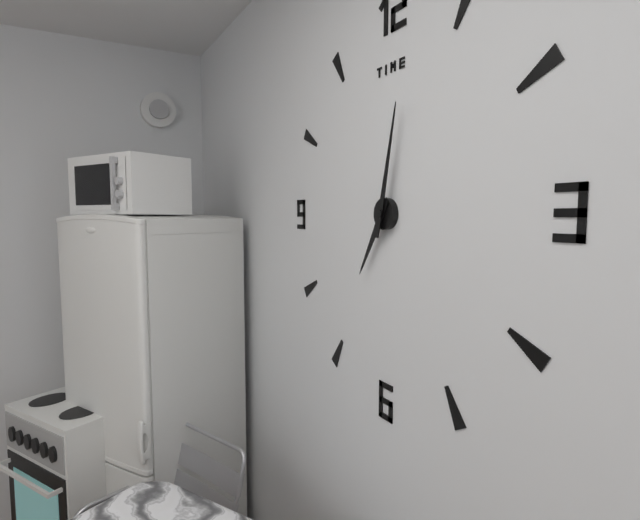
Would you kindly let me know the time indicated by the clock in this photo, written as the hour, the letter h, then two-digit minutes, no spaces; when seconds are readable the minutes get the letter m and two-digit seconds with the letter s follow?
7h02
